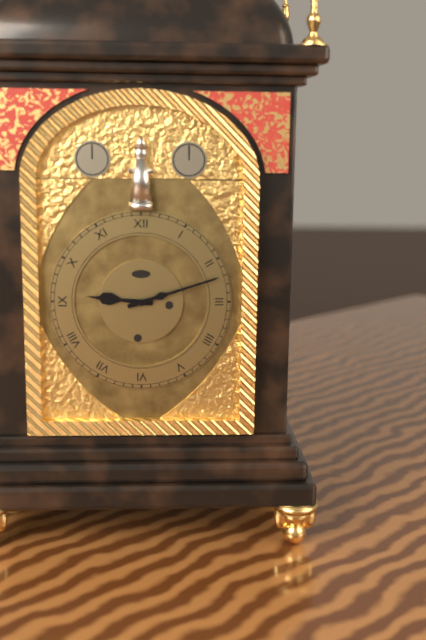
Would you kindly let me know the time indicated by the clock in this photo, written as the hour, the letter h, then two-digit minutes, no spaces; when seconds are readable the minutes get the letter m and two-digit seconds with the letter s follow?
9h12
